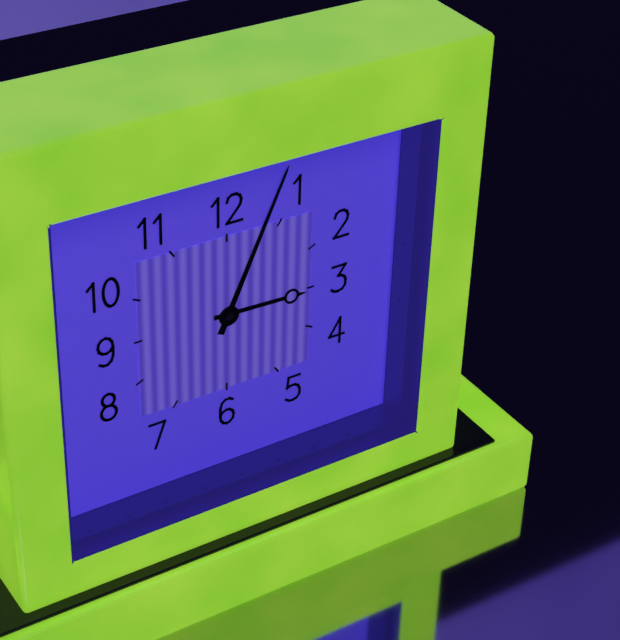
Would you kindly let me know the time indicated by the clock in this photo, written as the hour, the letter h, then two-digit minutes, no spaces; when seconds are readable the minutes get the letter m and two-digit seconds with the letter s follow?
3h04
